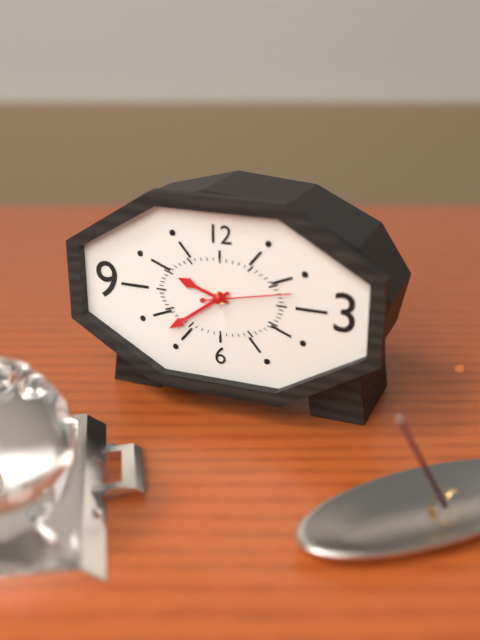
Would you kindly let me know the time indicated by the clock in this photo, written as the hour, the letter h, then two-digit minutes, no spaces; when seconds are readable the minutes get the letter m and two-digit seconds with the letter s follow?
9h39m13s
